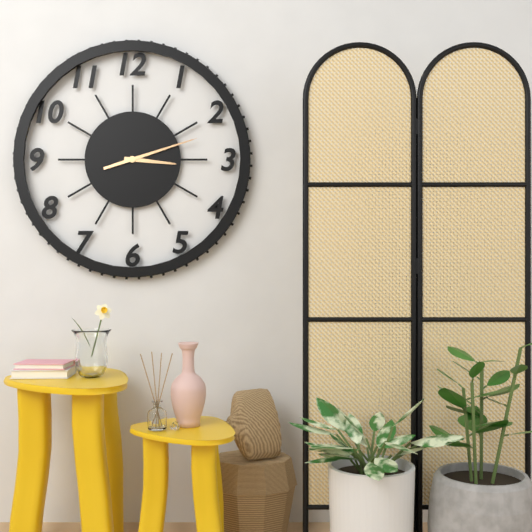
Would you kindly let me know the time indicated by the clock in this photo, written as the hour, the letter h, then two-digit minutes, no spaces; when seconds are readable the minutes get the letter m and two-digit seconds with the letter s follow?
3h12
